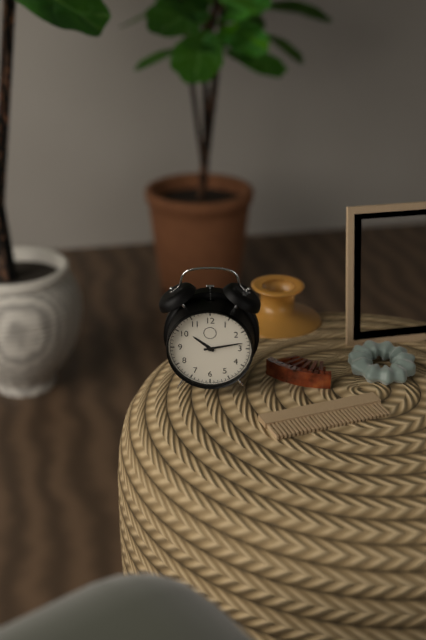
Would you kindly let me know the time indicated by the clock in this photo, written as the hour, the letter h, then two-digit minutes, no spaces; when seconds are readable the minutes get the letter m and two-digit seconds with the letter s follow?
10h13
